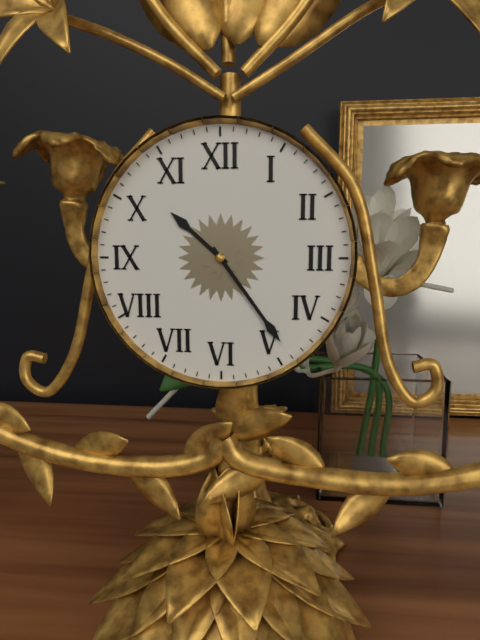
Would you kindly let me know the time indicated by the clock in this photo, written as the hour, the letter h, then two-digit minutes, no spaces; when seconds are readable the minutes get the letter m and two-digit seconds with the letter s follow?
10h24
